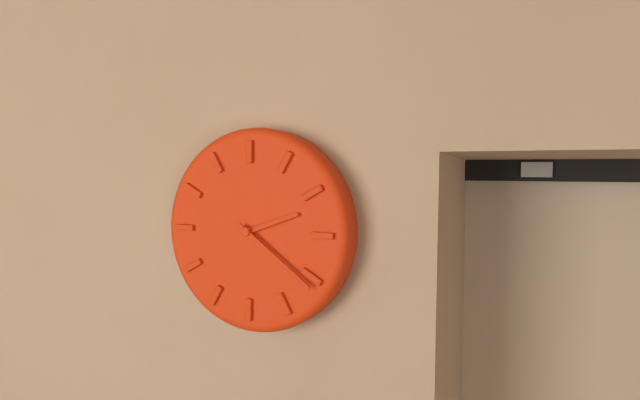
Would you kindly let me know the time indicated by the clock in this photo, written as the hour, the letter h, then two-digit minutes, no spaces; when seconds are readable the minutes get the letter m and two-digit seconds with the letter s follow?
2h21
